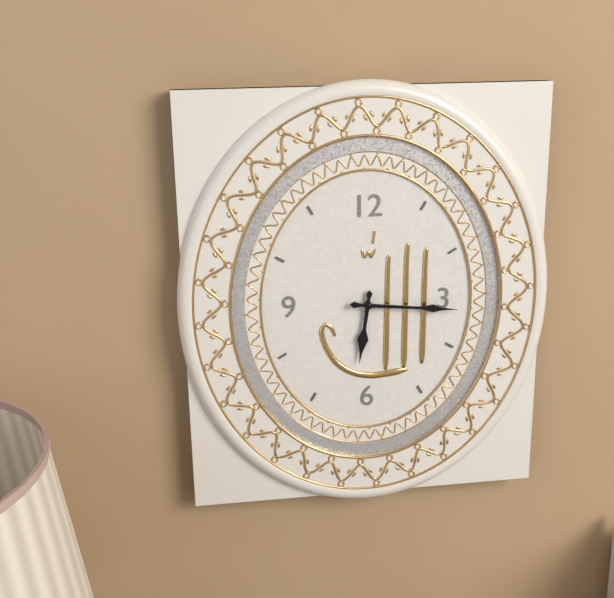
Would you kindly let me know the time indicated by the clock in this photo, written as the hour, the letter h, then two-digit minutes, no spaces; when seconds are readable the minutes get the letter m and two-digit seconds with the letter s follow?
6h16
